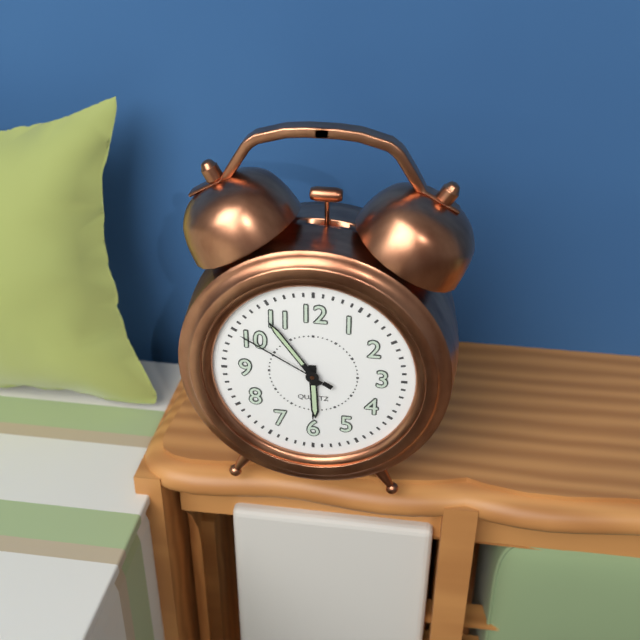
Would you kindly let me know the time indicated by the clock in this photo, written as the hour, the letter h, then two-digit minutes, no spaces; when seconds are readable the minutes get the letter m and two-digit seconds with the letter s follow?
5h54m50s
